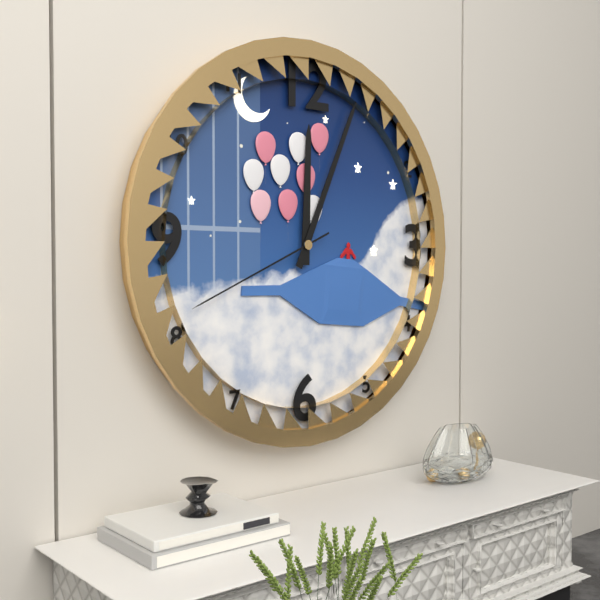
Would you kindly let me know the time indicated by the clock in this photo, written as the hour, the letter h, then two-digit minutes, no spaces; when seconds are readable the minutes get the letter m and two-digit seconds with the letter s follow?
12h04m41s
